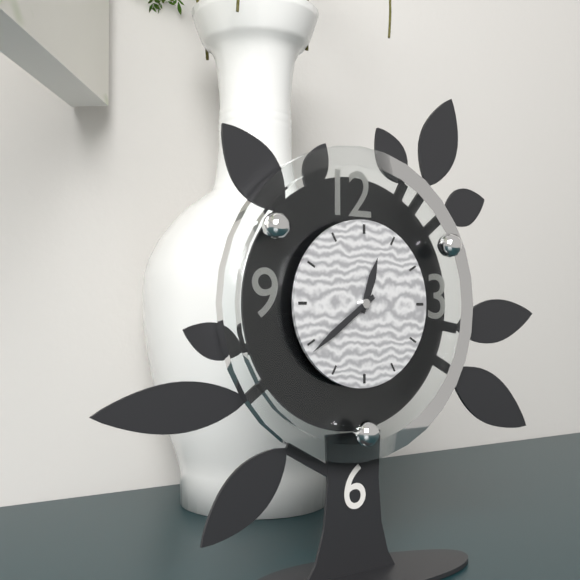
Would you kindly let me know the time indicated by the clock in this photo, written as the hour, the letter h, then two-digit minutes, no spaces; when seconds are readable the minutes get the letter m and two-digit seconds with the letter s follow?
12h39
